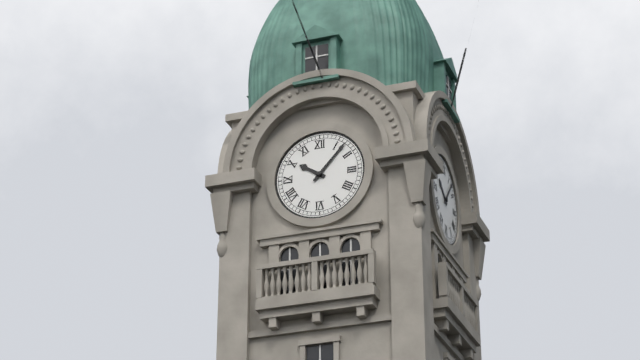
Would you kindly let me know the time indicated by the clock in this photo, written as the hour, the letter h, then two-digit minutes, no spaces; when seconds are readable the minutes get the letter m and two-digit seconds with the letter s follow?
10h07
